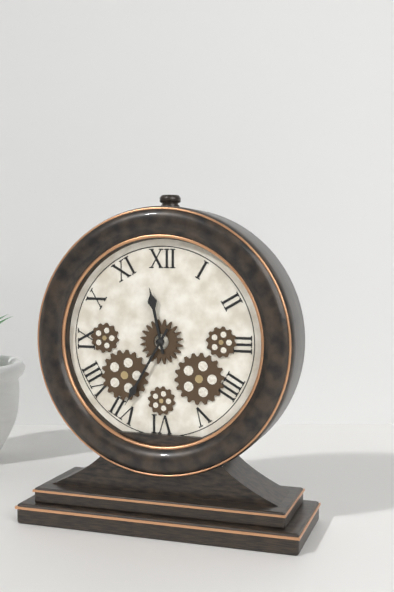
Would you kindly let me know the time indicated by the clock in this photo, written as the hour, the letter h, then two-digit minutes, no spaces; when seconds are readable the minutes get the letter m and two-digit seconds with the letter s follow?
11h35
